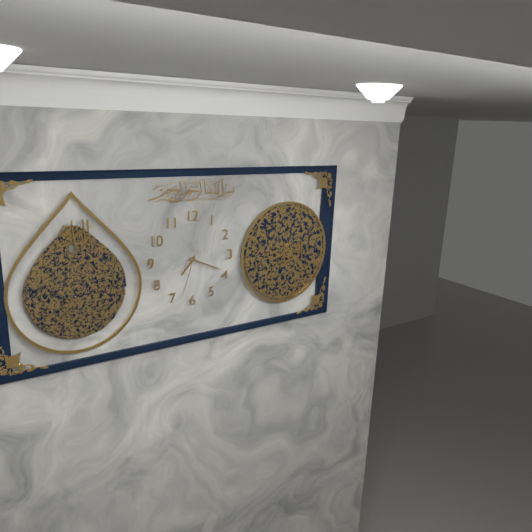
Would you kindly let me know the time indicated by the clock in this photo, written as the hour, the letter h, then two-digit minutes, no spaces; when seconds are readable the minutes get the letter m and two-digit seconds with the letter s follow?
7h19
